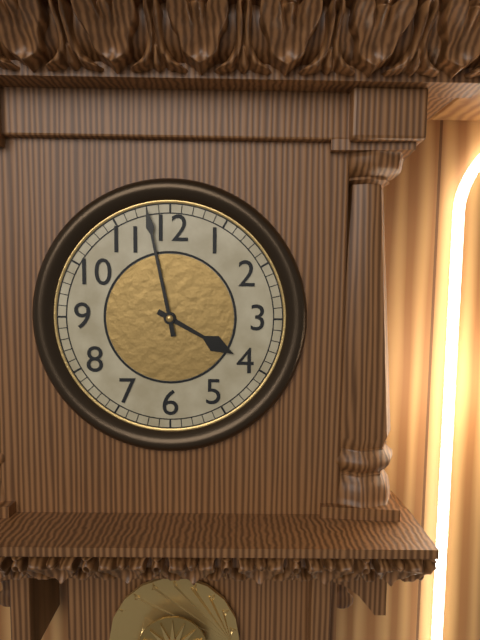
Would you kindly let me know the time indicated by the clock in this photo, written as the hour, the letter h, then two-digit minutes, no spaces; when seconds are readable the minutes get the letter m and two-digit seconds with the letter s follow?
3h58
